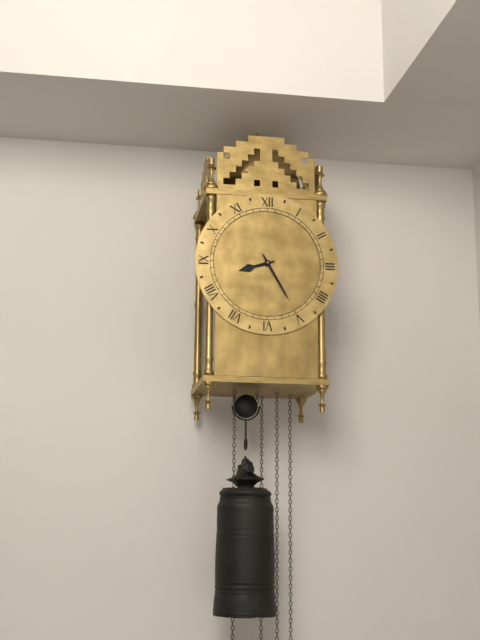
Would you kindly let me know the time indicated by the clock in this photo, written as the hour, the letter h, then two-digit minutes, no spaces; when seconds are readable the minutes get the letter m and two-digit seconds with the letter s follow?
8h25
